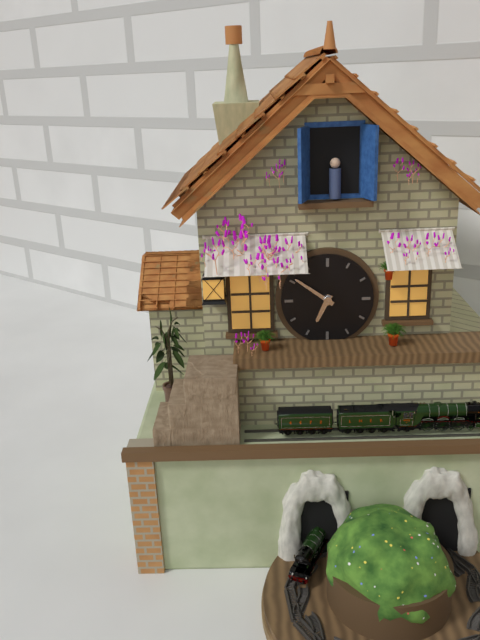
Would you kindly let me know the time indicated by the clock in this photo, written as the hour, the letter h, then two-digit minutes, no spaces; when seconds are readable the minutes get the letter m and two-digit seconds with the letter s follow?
6h51
